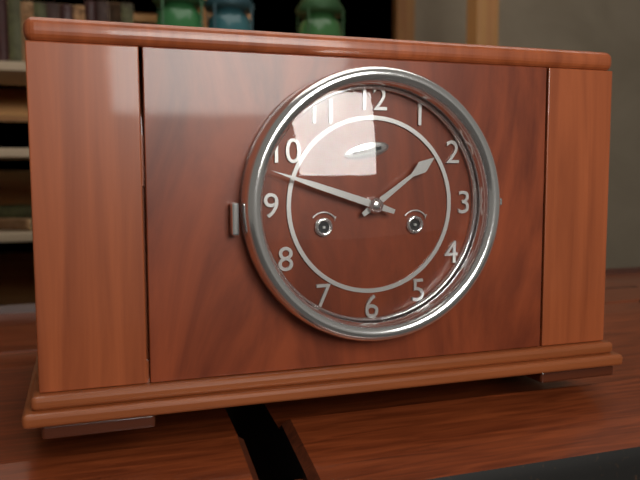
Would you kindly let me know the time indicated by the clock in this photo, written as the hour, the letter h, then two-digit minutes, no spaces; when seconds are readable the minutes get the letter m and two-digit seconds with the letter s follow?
1h48
